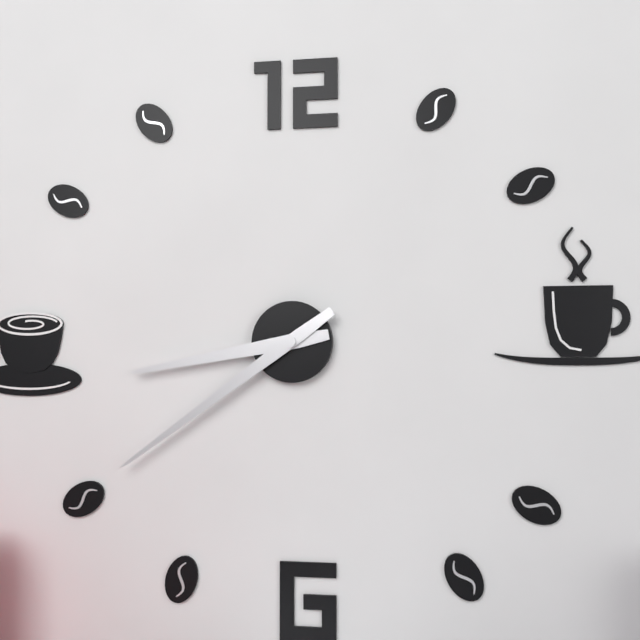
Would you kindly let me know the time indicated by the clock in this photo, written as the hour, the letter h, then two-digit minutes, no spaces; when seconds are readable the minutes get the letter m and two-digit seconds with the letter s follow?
8h39
